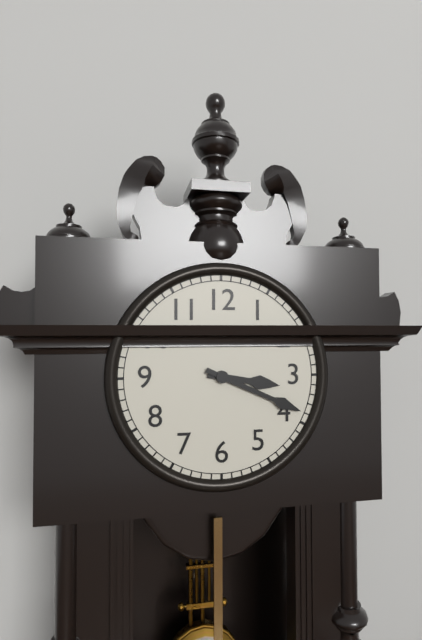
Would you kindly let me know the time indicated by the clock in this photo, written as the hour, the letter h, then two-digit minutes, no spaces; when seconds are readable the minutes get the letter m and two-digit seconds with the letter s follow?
3h19
